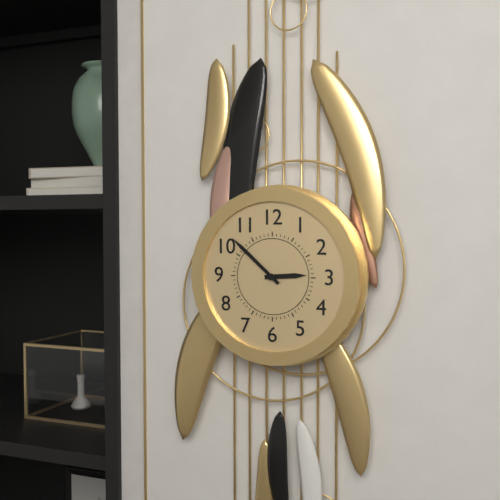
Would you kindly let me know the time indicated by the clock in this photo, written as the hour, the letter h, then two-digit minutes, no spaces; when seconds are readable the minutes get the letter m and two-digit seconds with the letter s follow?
2h52
